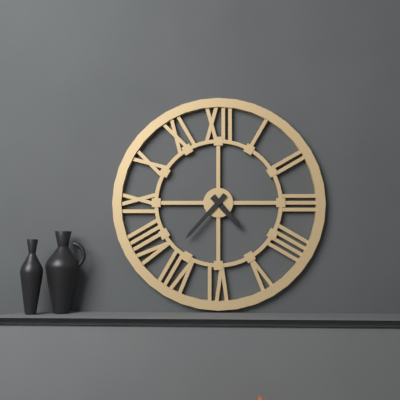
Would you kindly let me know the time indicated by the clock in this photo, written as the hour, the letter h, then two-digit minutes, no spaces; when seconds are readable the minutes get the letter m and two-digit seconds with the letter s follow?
4h37
